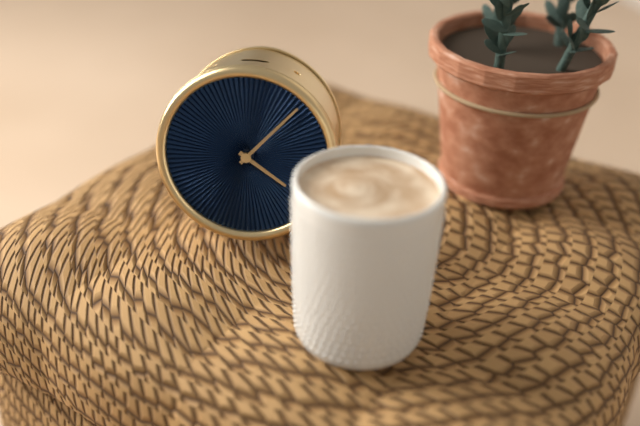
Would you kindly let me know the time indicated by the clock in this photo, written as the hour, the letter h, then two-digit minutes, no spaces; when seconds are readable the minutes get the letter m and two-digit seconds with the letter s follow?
4h07
